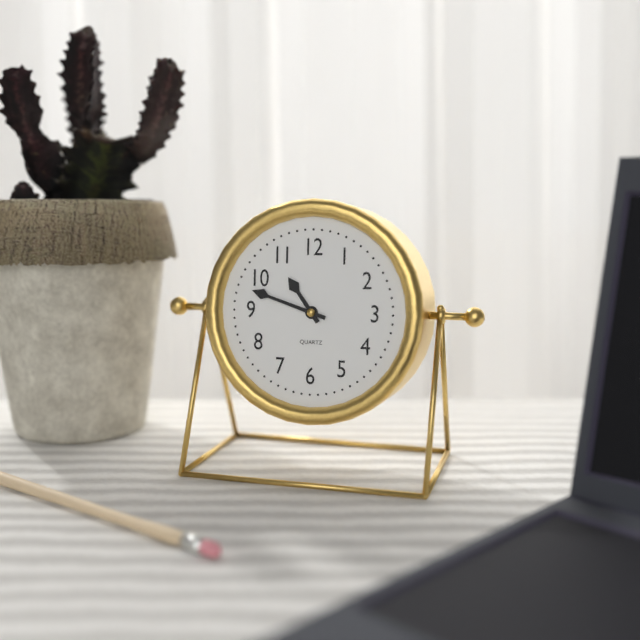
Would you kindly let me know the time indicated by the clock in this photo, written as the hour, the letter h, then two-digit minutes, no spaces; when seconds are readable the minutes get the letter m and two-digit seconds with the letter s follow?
10h48
